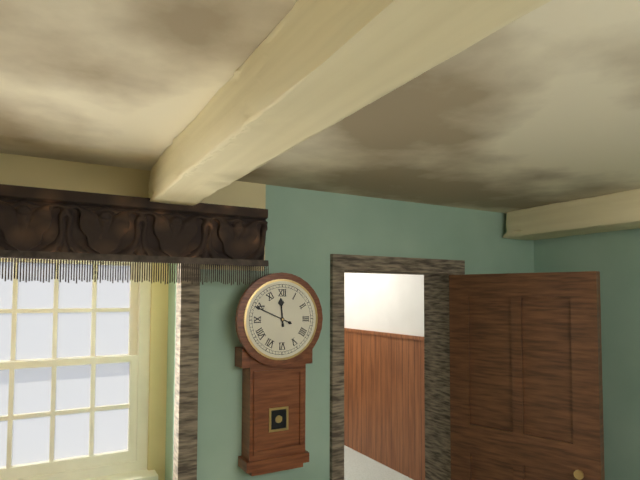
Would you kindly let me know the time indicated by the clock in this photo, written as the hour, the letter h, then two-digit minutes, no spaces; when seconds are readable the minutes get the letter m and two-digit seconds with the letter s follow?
11h49
